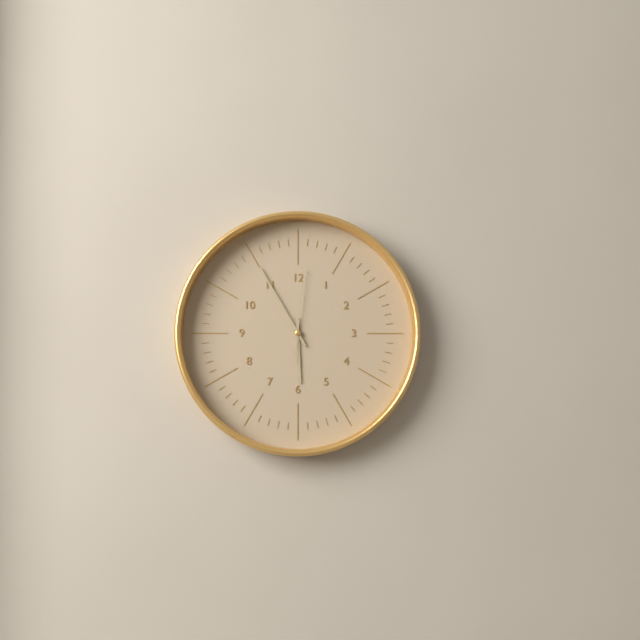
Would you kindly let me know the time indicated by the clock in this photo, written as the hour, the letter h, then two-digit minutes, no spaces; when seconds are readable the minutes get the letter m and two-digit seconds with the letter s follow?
5h55m01s
